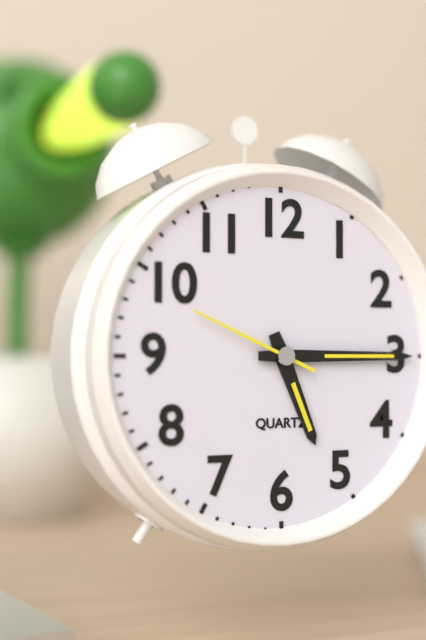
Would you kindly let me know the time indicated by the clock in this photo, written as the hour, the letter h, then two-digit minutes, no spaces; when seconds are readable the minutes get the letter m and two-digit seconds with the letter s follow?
5h15m49s
